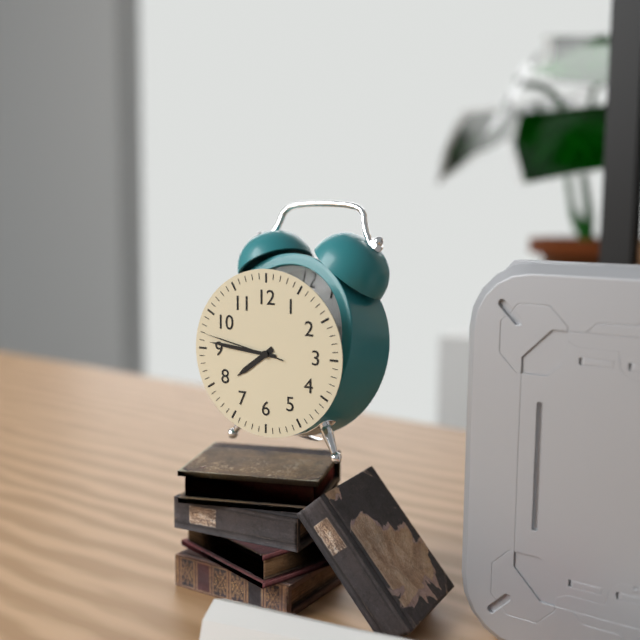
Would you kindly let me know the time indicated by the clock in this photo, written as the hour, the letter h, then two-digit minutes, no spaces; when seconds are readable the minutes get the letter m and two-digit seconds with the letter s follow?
7h46m47s
